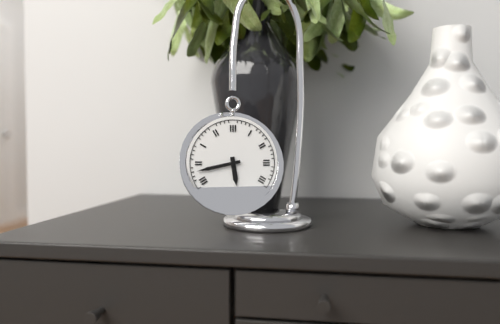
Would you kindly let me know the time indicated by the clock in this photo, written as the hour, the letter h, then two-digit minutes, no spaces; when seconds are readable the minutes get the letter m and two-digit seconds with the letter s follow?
5h43
